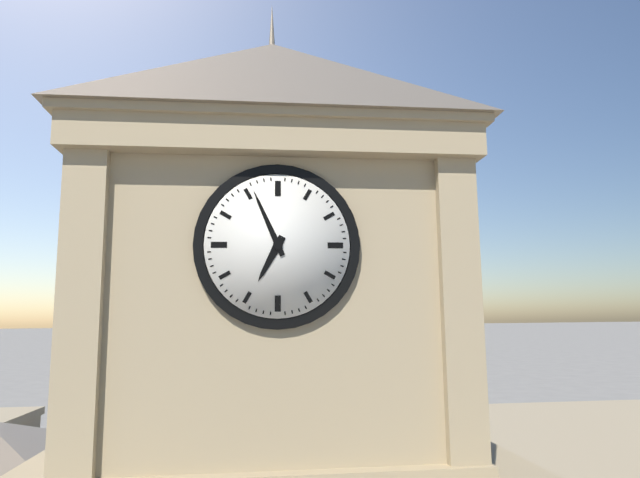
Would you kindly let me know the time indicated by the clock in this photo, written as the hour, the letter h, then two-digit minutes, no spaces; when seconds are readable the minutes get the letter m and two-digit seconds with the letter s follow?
6h56
